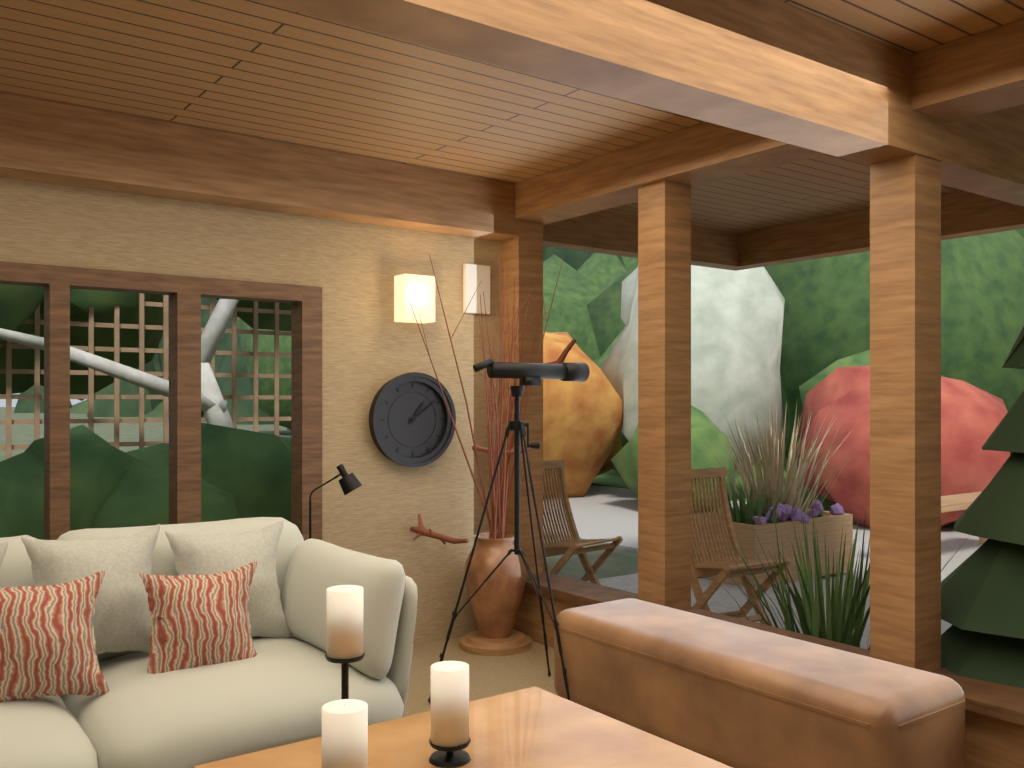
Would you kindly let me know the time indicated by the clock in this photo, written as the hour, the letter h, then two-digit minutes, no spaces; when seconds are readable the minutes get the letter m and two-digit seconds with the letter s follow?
1h09
